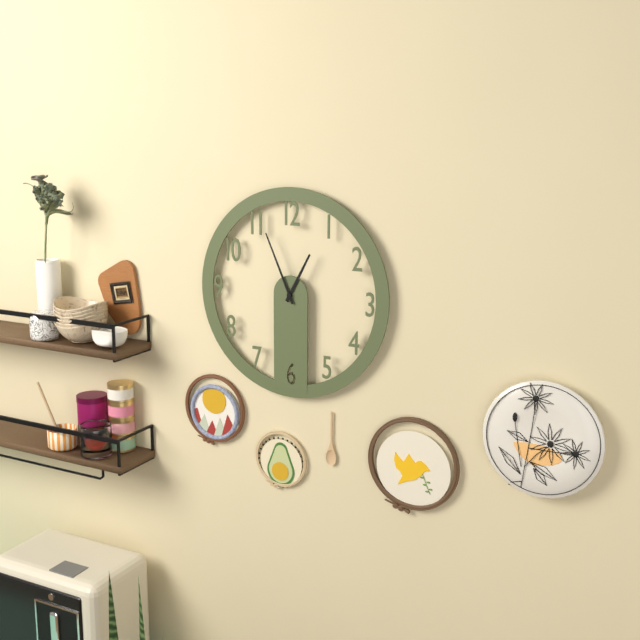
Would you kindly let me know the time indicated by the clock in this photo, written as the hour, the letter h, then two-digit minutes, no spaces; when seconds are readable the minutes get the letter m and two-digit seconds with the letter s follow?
12h56
